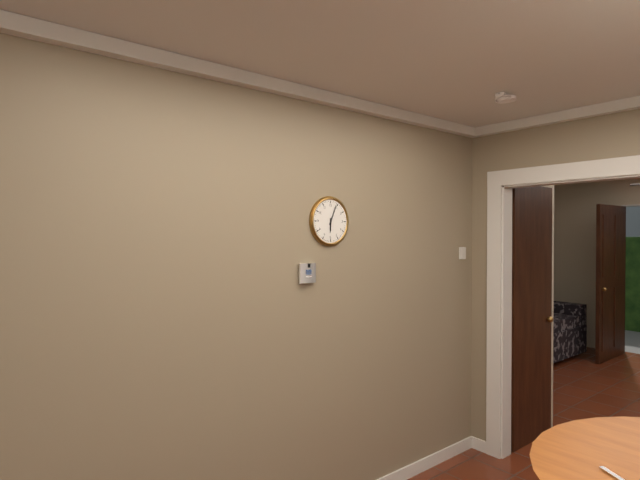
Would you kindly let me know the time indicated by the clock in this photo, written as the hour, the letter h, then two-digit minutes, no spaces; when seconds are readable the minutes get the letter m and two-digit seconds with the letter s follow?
6h04
